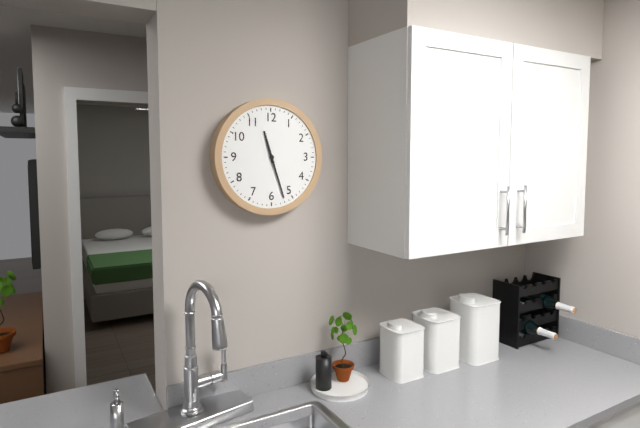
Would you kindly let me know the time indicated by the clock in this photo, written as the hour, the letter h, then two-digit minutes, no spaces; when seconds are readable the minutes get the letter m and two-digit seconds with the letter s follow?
11h27
